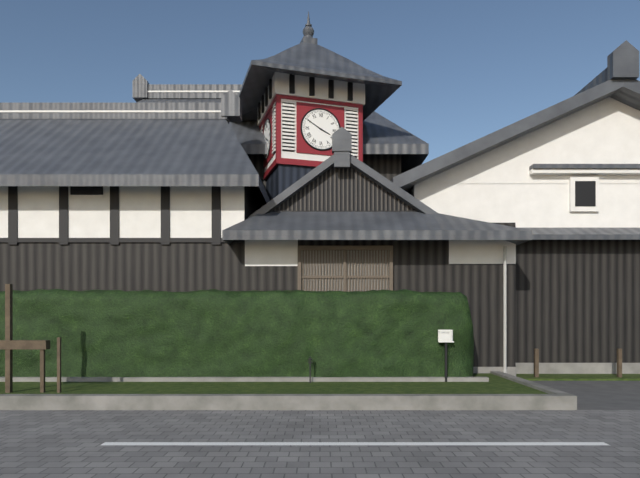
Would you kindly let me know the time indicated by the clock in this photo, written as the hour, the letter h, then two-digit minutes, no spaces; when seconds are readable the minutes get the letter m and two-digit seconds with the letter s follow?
3h50
